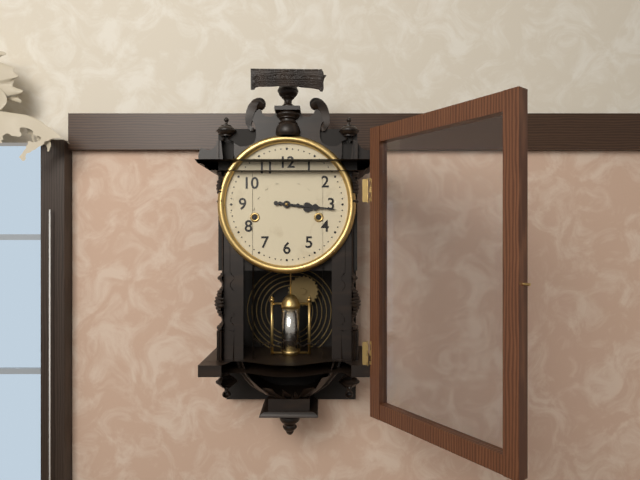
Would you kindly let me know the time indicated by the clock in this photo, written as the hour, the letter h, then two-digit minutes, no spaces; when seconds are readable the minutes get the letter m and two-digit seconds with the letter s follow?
3h16
